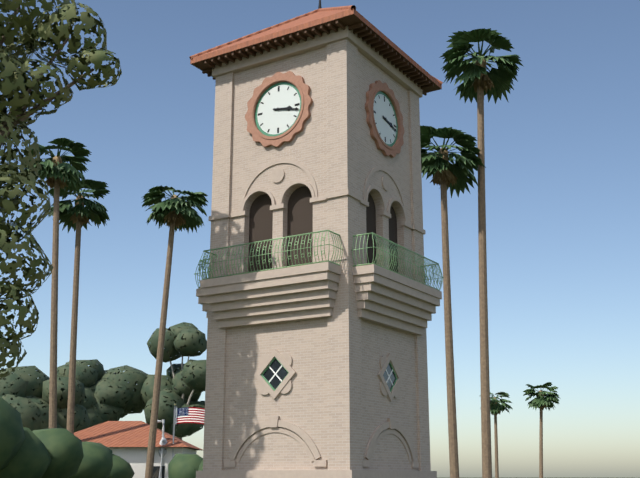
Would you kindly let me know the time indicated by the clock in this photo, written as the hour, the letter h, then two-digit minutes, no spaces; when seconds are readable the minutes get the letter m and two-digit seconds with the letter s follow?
3h17
